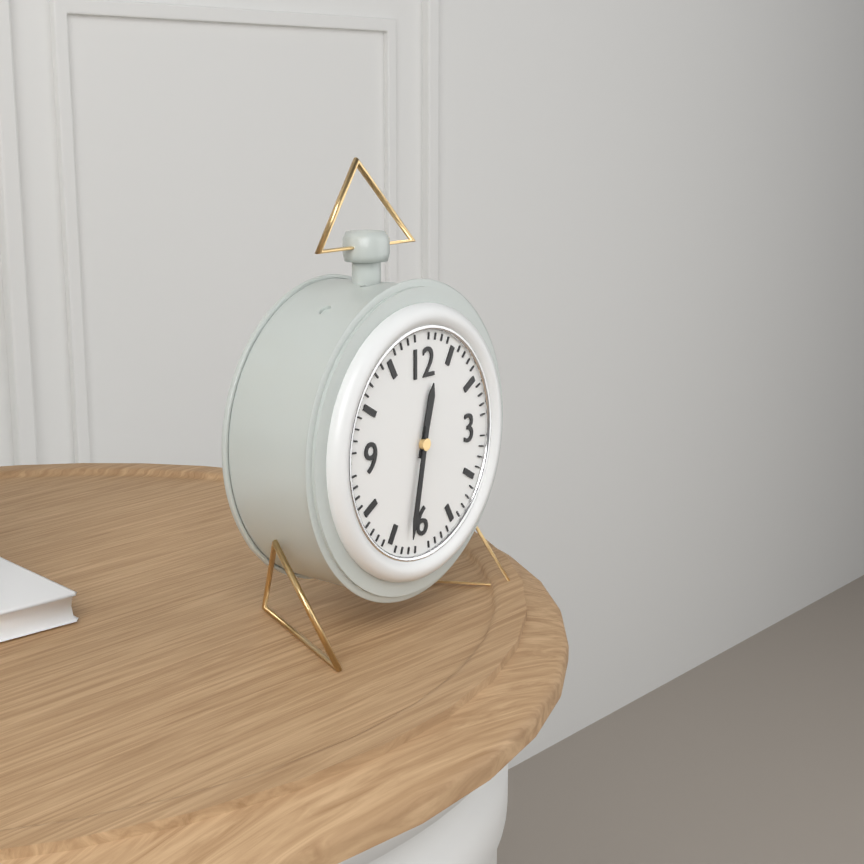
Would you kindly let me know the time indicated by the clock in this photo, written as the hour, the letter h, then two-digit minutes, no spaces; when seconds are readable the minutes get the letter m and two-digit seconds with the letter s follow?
12h32
